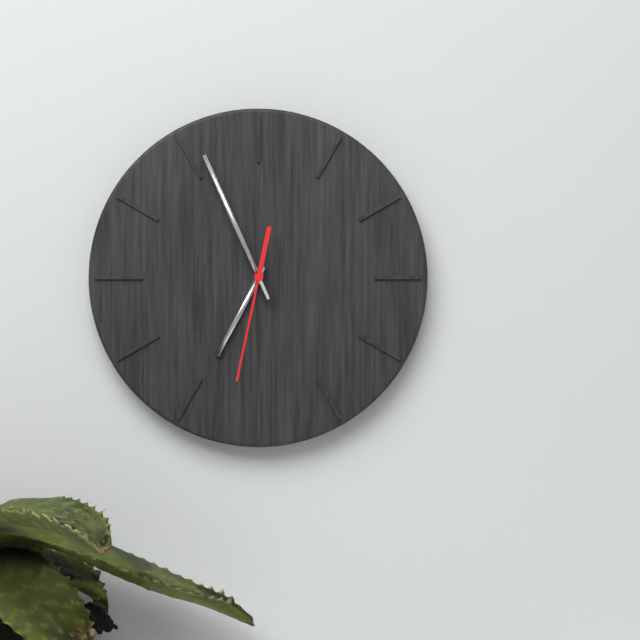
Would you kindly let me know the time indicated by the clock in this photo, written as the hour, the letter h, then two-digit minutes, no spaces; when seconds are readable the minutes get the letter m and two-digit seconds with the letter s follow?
6h56m32s
